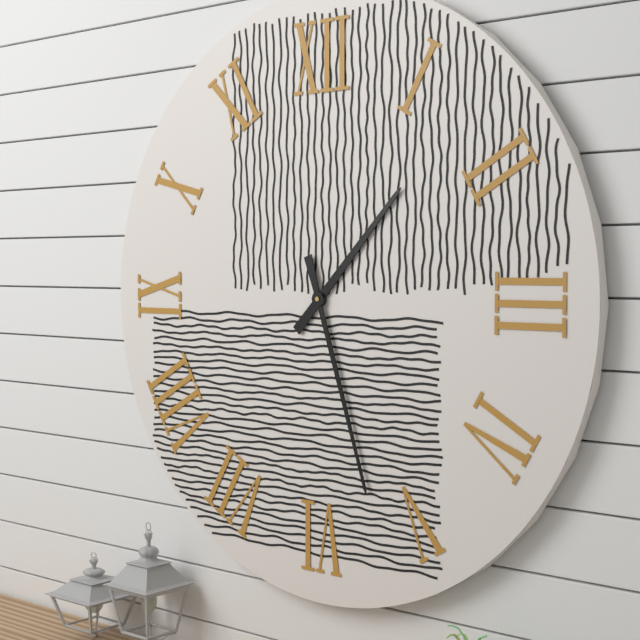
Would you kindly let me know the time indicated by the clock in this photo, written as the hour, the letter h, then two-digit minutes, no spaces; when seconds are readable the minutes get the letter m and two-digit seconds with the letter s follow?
1h27
